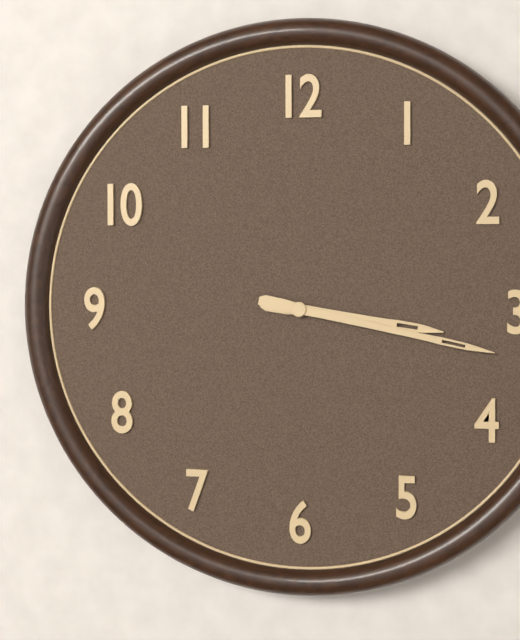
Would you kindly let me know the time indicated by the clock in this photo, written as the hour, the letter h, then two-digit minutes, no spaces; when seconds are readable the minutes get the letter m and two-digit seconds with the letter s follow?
3h17
